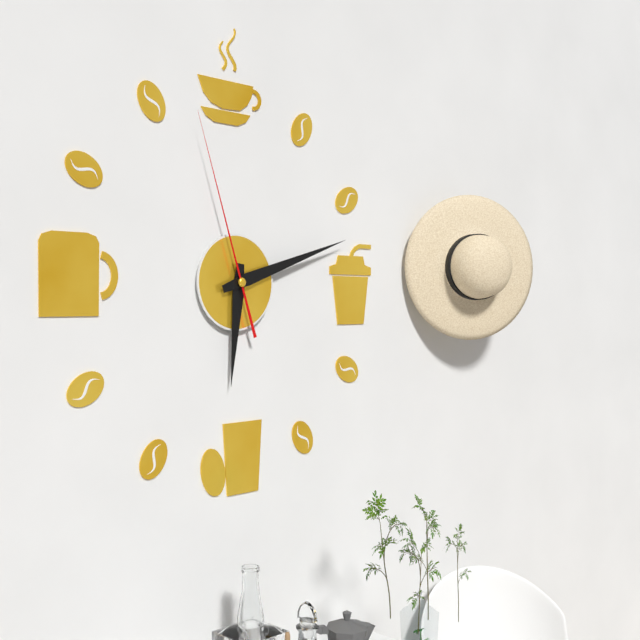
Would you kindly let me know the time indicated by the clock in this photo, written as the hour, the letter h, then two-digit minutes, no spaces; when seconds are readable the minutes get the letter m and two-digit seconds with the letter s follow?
6h12m57s
